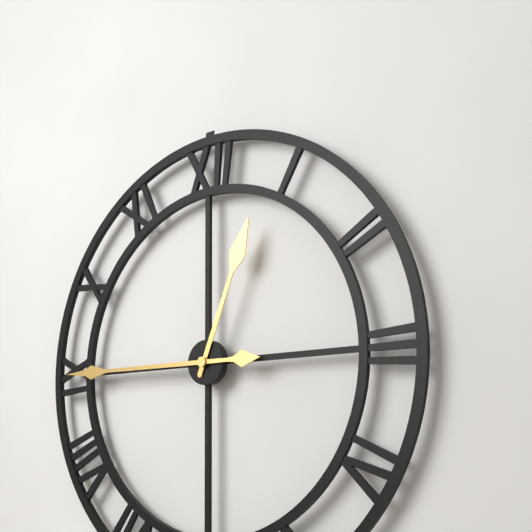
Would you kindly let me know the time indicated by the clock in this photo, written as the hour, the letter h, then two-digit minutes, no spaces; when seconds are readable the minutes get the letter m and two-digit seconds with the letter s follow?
12h45
